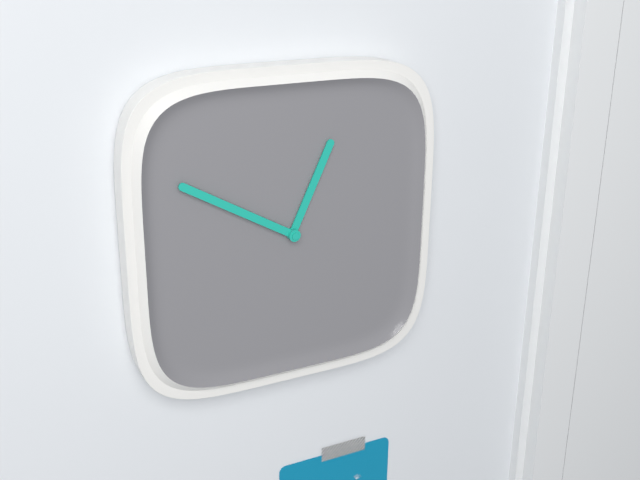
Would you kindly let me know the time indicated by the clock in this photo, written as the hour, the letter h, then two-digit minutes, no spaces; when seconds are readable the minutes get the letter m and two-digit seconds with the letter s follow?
12h50
